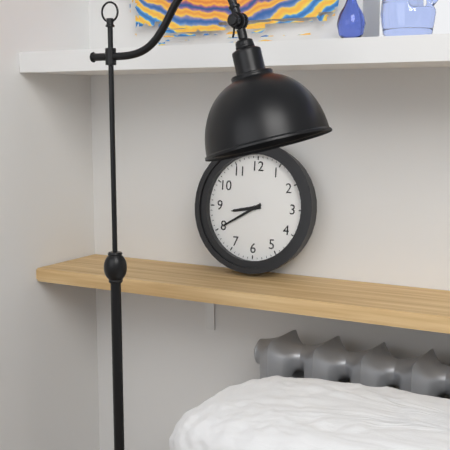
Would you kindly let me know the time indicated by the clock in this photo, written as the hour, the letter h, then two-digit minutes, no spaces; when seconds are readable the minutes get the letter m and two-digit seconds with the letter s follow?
8h40
